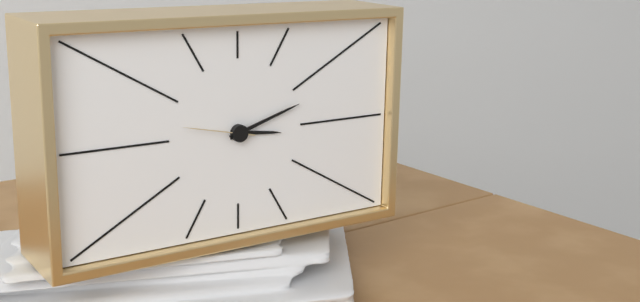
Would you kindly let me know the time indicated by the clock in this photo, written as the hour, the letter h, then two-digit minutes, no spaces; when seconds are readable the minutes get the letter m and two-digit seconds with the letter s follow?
3h12m47s
